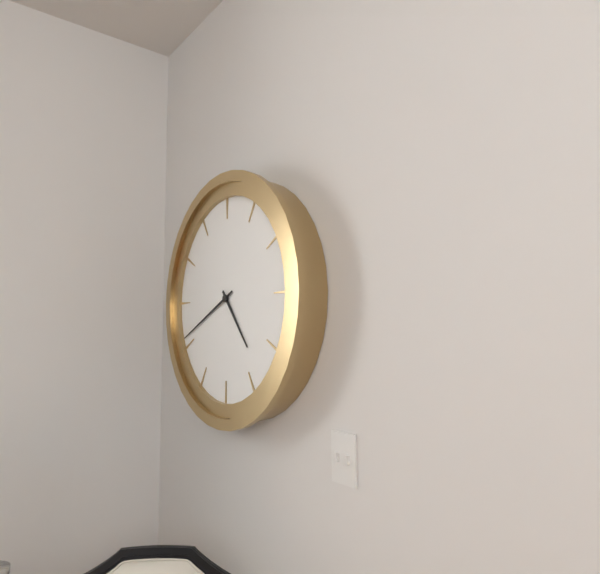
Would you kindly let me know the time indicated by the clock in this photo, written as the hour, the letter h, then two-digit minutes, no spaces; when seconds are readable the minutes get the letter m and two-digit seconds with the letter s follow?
4h41
